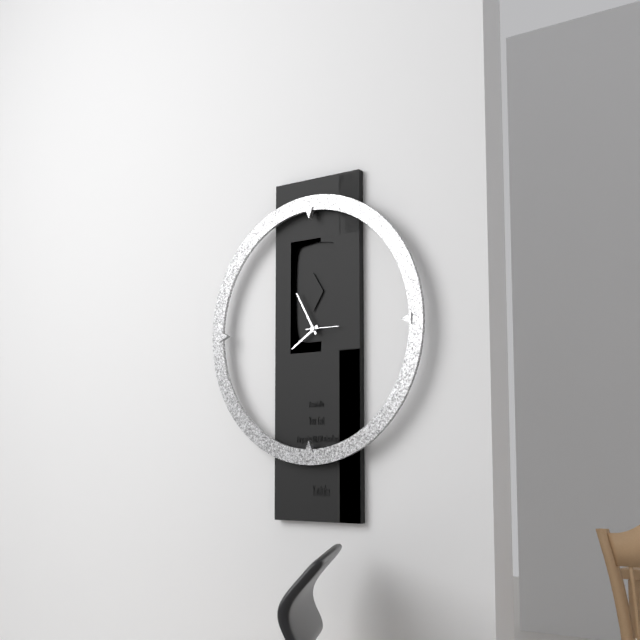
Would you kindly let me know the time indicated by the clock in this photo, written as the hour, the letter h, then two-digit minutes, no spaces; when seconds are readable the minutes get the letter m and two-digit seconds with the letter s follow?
7h55
